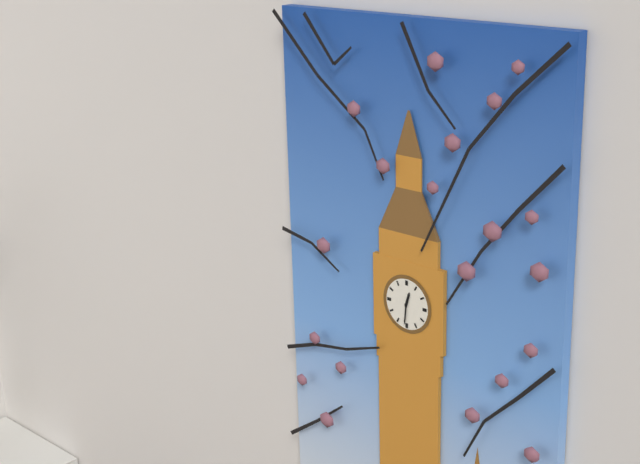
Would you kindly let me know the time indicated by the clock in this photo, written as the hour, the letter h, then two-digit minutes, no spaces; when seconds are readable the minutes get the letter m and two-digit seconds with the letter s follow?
12h31
